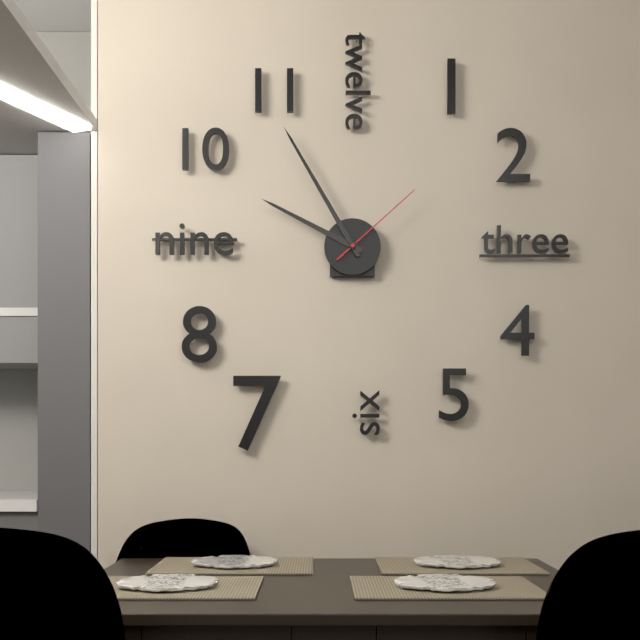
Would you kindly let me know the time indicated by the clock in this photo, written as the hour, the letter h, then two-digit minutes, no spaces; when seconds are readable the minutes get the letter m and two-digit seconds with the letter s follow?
9h55m08s
